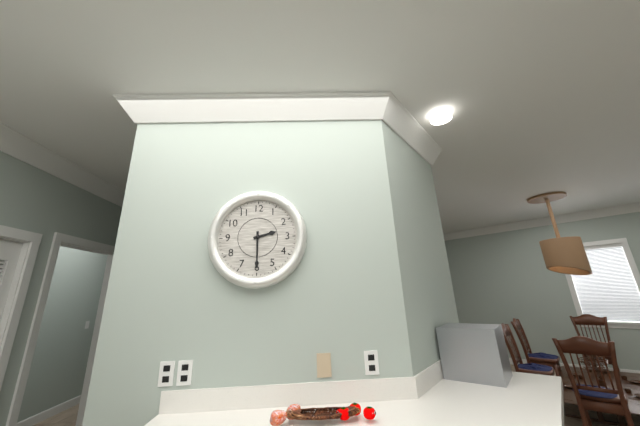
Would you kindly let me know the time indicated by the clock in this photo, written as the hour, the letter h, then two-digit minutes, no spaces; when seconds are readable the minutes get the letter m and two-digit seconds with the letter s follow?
2h30
